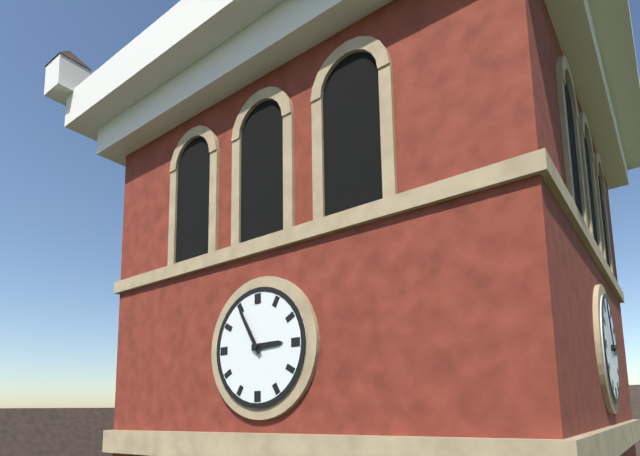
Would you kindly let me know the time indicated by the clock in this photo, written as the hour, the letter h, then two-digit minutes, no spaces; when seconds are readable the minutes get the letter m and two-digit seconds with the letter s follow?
2h55
